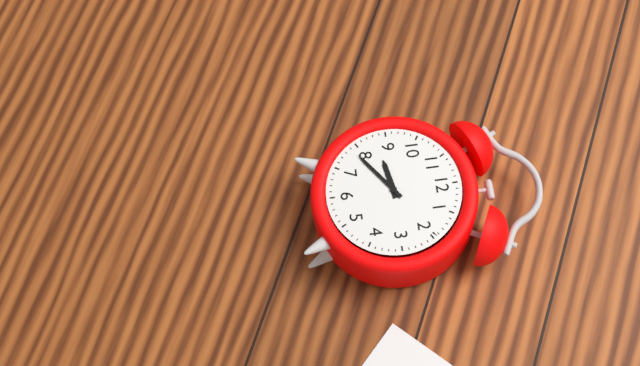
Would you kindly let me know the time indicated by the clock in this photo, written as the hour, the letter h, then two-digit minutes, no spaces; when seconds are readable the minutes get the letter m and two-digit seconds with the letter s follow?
8h39
